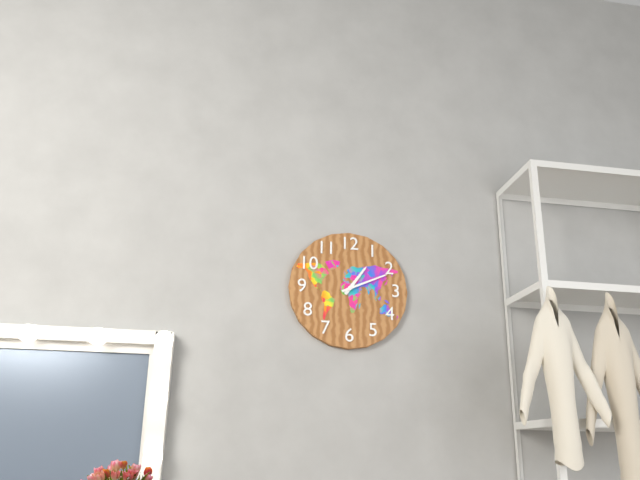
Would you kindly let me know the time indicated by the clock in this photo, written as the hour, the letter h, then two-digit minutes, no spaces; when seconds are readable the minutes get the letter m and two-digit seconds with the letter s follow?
1h11
